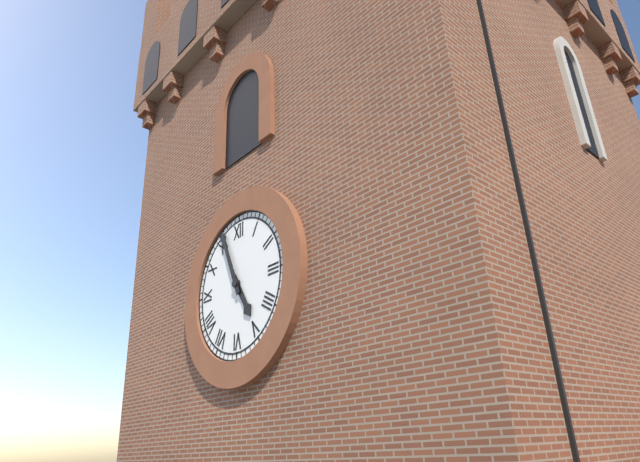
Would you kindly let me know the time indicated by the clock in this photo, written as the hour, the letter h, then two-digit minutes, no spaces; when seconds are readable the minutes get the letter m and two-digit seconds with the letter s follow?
4h56
